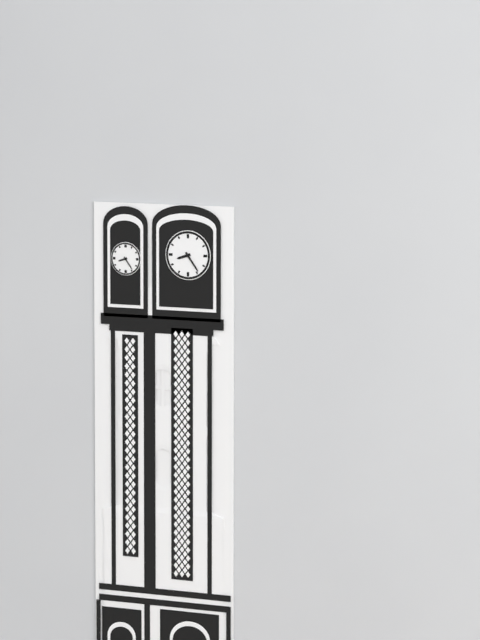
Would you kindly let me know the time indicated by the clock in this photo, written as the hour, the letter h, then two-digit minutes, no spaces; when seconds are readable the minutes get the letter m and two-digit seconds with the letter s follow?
8h24
